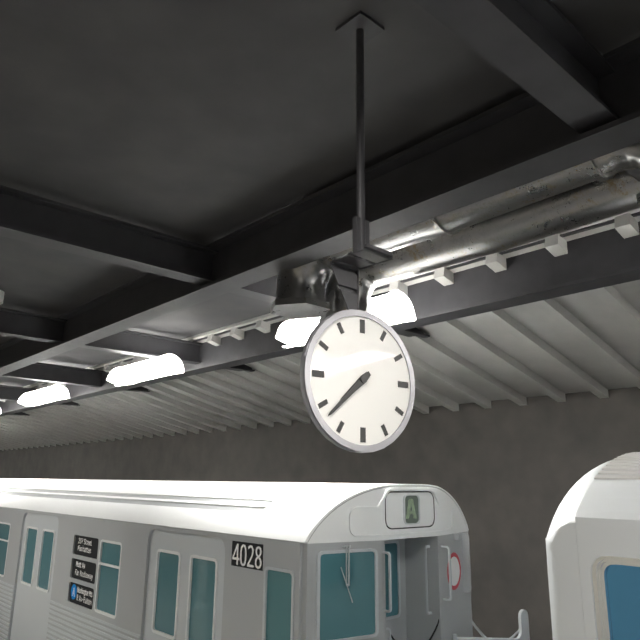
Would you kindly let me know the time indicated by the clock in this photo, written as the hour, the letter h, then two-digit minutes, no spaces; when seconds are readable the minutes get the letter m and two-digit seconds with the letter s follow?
7h38
